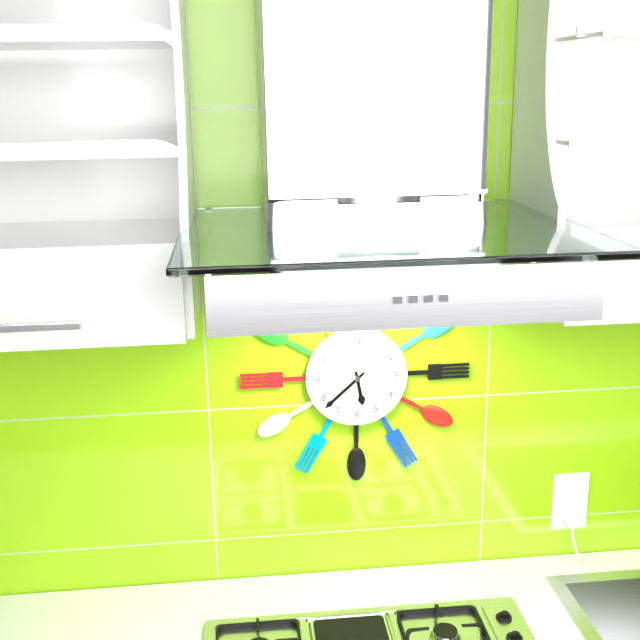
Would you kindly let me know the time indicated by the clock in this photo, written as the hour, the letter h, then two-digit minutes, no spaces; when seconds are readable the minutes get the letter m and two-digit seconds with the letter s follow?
5h38
